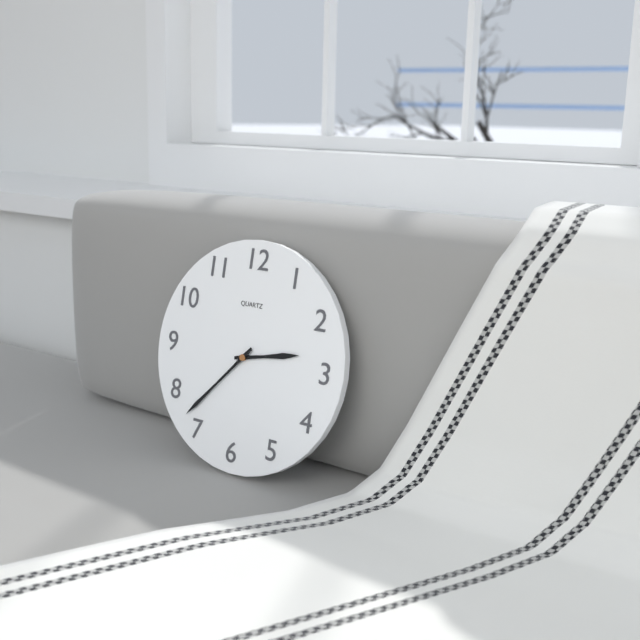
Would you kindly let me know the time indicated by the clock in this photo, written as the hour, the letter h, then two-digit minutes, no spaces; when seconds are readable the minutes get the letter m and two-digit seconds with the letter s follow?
2h37
